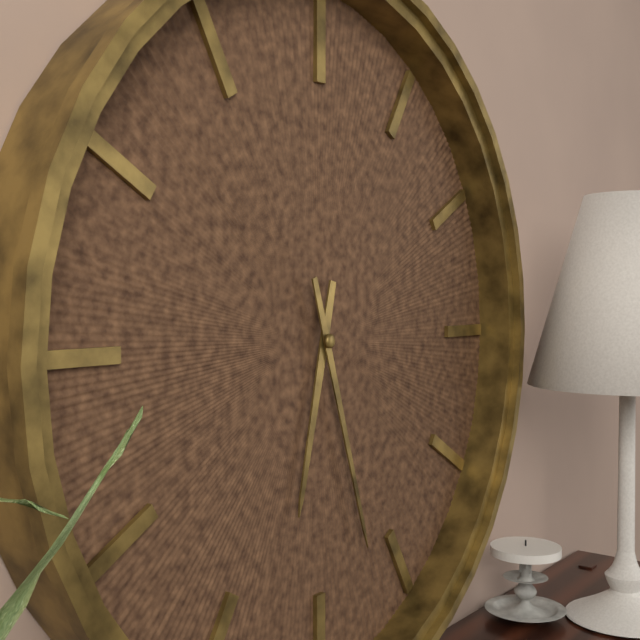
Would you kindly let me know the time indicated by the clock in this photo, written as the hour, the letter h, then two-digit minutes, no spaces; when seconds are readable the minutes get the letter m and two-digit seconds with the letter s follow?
6h27
